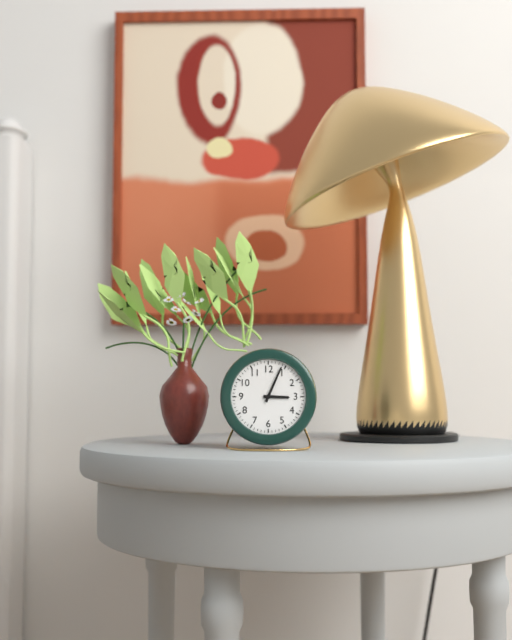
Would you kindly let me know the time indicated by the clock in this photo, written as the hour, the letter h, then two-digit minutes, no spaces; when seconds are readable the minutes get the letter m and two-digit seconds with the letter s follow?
3h04
